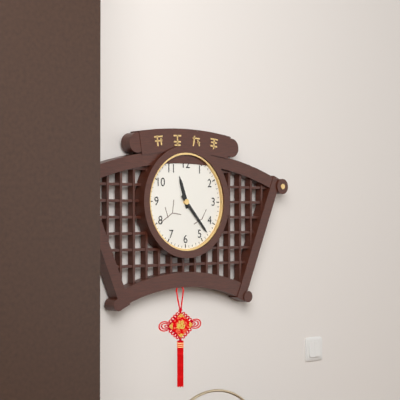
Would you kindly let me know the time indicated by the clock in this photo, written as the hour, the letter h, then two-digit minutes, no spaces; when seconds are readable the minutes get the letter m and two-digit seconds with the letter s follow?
11h23
